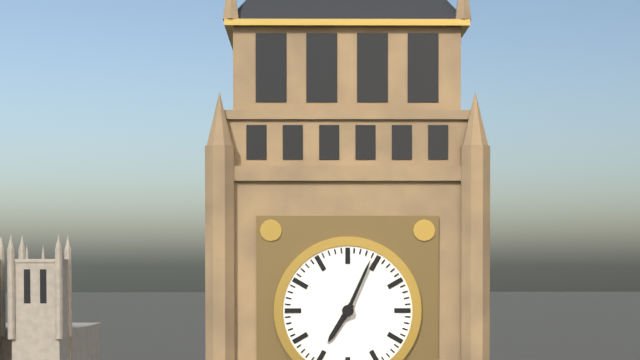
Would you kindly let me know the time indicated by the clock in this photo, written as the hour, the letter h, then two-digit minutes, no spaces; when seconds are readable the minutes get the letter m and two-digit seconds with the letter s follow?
7h04
